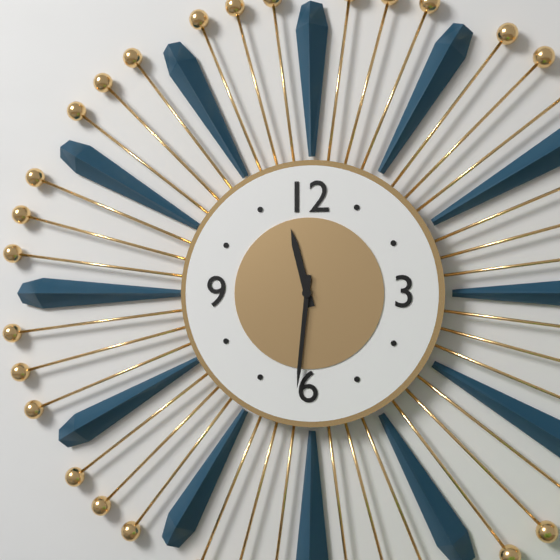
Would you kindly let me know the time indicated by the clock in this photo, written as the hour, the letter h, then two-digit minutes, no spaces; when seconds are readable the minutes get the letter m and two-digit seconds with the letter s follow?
11h31
